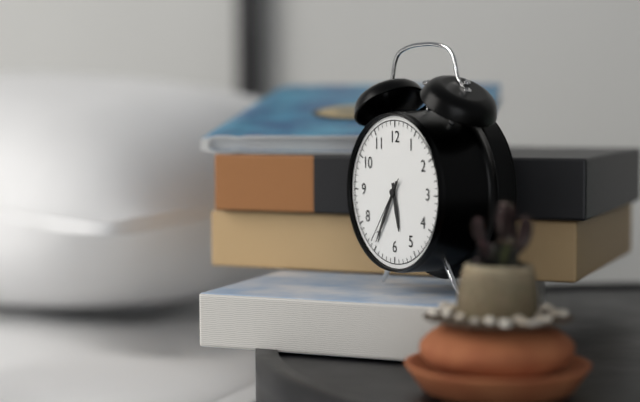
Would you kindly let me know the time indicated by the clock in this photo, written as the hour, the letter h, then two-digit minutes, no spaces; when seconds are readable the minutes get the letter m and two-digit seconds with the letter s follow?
5h35m36s
